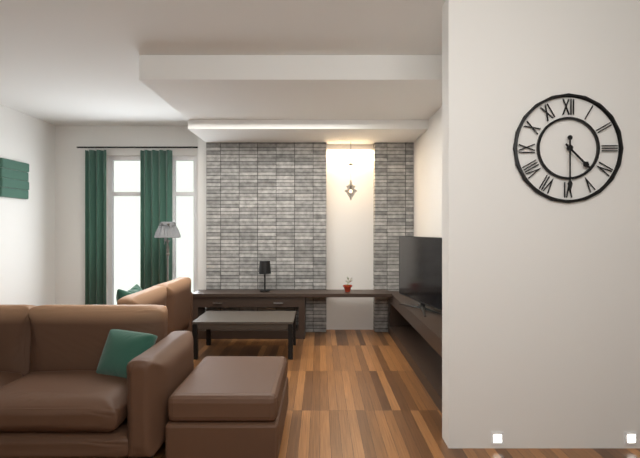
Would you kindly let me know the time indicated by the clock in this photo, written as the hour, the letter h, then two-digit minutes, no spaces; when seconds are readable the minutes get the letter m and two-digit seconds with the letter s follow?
4h30
